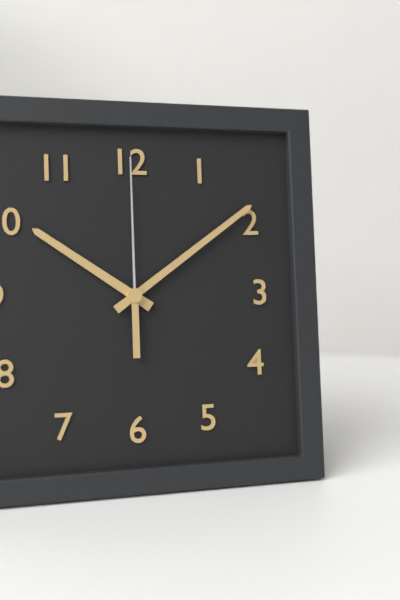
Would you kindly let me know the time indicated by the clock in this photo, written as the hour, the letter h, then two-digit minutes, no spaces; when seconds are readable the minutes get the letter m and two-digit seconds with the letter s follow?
10h09m00s
